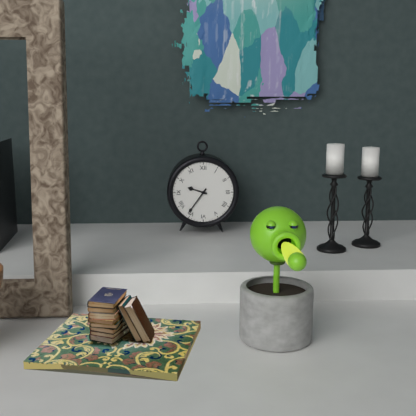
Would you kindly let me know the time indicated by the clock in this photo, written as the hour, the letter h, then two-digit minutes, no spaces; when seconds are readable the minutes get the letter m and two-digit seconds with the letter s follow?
9h36
